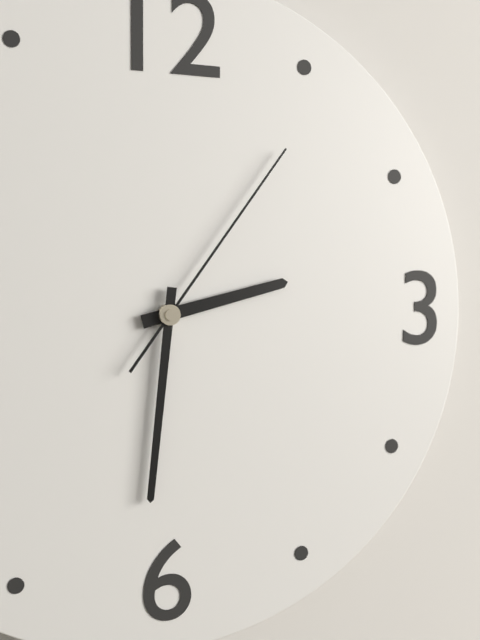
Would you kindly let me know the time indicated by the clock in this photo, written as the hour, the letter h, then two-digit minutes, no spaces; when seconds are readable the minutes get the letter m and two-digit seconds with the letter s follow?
2h31m06s
